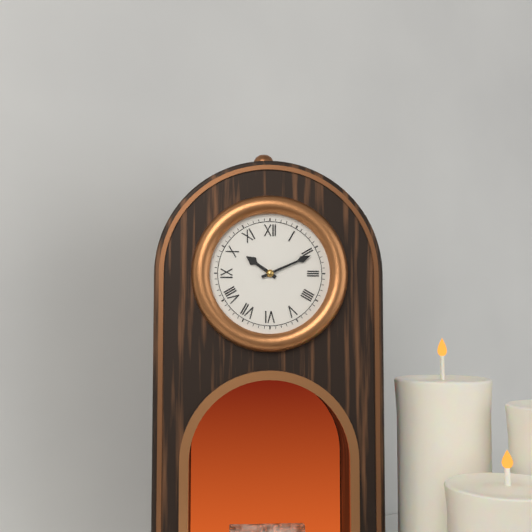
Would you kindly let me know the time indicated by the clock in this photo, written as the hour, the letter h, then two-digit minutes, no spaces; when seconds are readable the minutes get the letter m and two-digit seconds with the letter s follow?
10h11
